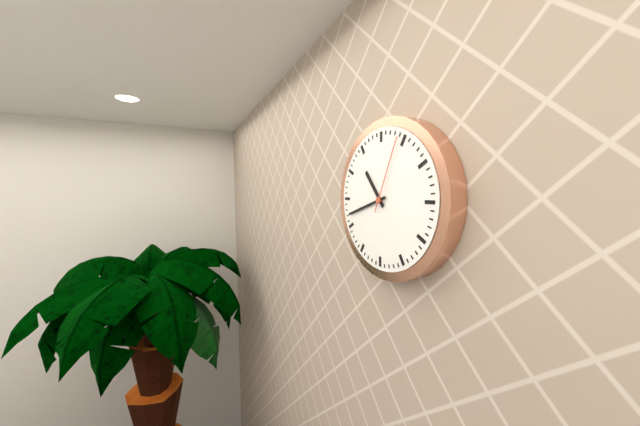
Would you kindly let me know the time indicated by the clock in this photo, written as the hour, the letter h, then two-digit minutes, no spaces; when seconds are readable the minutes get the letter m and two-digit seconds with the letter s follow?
10h42m04s
